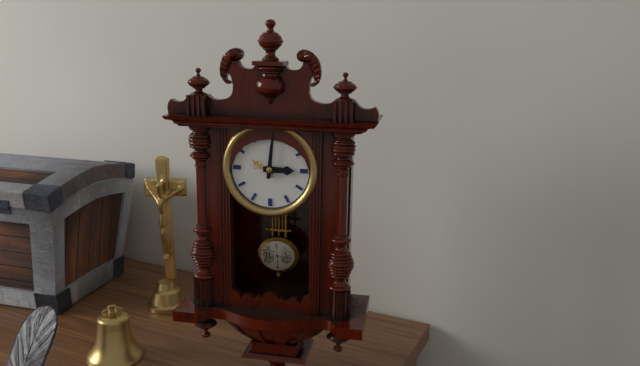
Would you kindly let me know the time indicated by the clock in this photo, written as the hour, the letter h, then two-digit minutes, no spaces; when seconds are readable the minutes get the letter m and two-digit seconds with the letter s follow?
3h01
